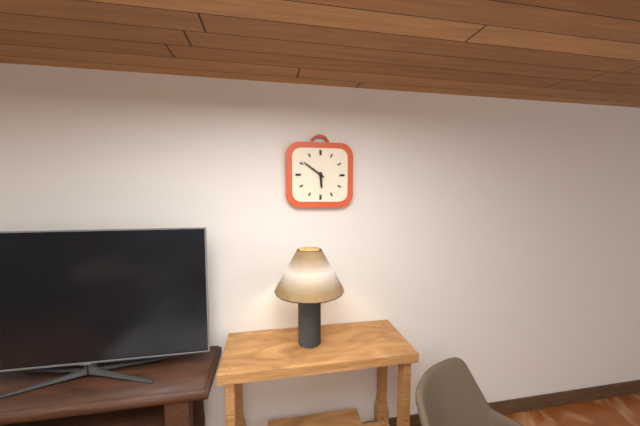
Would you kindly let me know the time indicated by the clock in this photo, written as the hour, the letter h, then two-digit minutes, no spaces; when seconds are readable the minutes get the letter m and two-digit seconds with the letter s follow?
5h51
